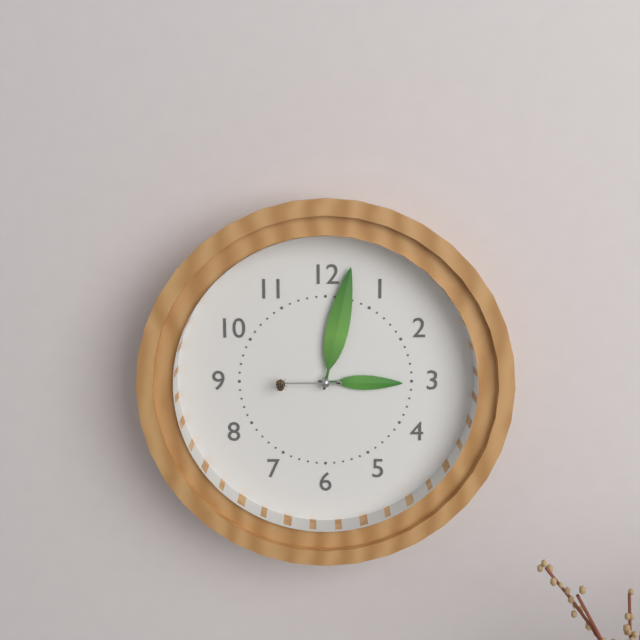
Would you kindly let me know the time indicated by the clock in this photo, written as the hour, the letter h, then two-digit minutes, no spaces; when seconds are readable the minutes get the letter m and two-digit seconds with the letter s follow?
3h02m45s
